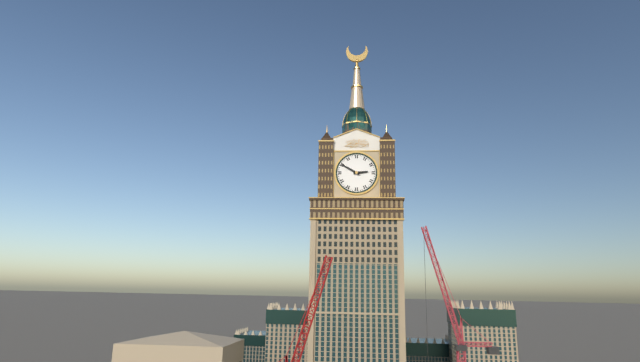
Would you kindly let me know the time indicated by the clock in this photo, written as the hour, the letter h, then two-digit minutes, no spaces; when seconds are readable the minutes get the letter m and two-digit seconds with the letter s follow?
2h50
